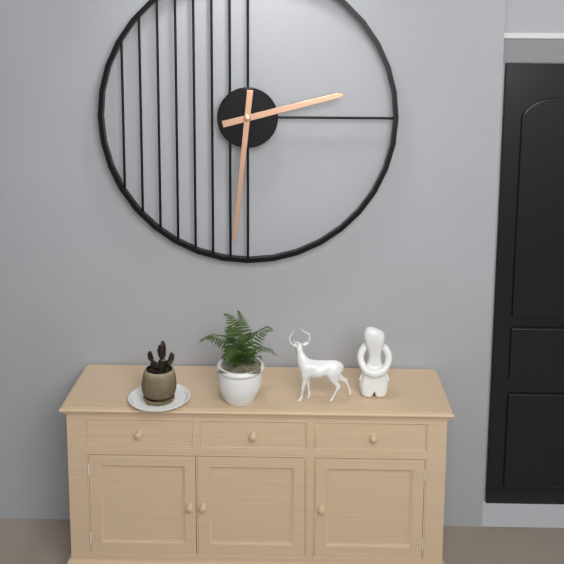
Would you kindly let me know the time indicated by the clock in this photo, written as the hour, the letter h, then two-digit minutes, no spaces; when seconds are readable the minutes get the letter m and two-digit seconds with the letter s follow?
2h31
